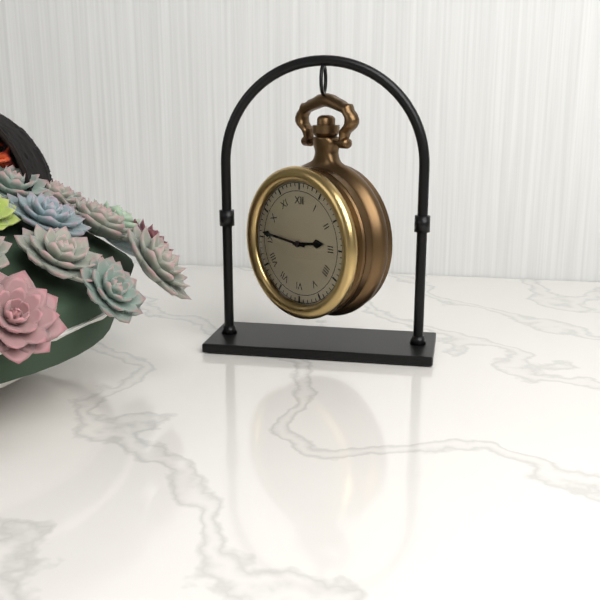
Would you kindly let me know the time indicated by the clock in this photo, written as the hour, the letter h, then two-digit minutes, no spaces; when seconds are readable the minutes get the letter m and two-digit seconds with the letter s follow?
2h46
